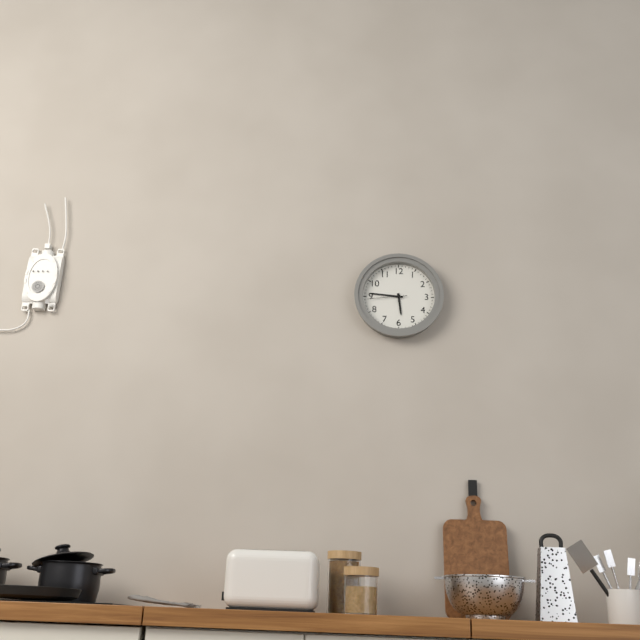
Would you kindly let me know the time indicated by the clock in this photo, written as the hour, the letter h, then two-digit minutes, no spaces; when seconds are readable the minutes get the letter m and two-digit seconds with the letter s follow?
5h46
